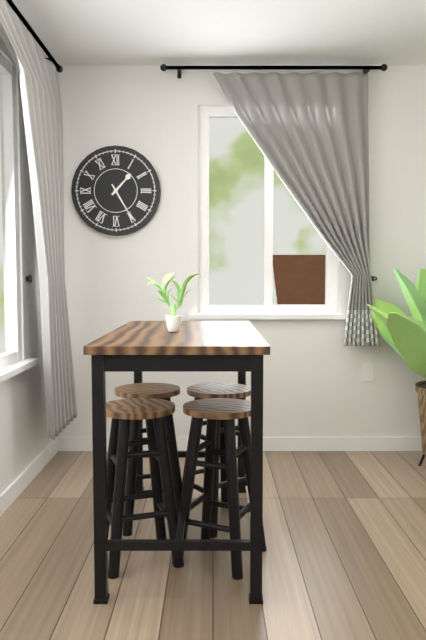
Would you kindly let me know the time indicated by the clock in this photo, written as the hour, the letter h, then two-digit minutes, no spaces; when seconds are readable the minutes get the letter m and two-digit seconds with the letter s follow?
1h25
